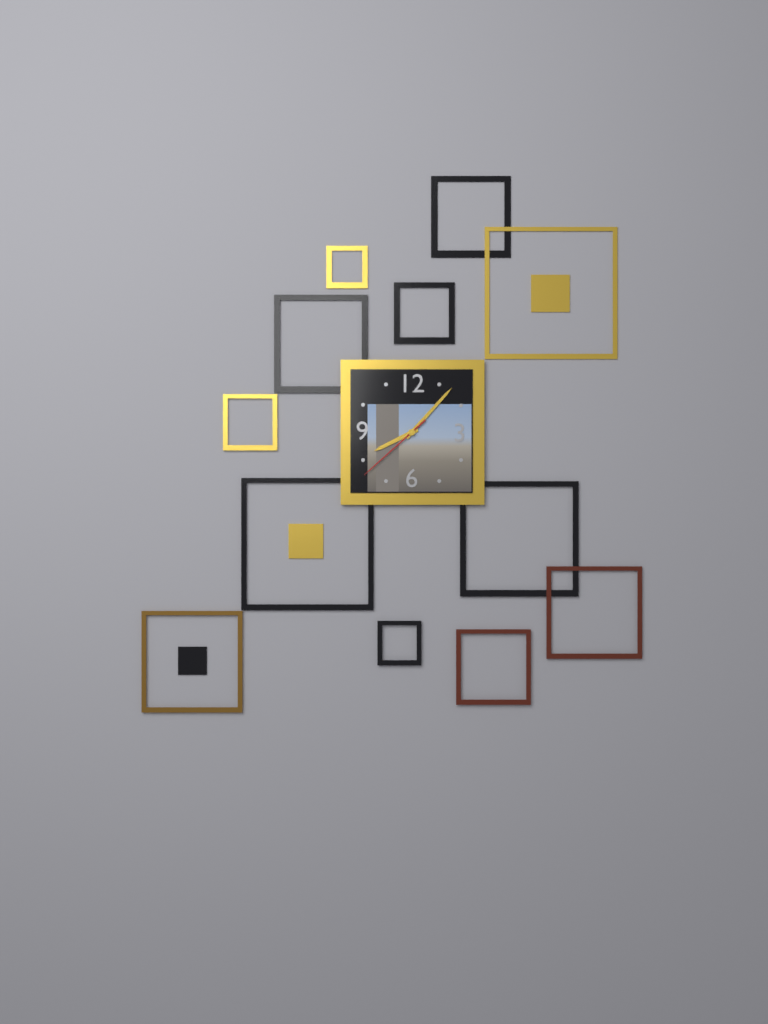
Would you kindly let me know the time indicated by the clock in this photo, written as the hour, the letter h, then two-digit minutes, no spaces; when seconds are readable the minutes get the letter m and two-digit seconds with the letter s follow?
8h07m38s
